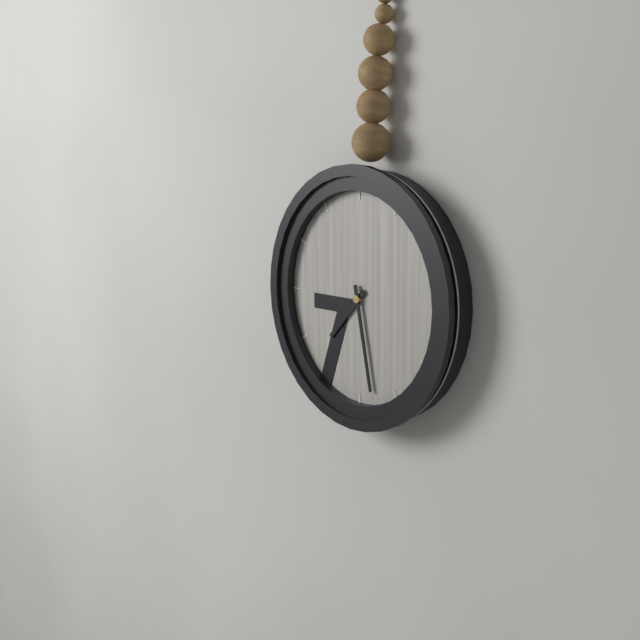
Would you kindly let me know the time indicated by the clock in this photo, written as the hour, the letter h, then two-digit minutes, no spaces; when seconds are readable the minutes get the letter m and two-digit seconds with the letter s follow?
7h28
